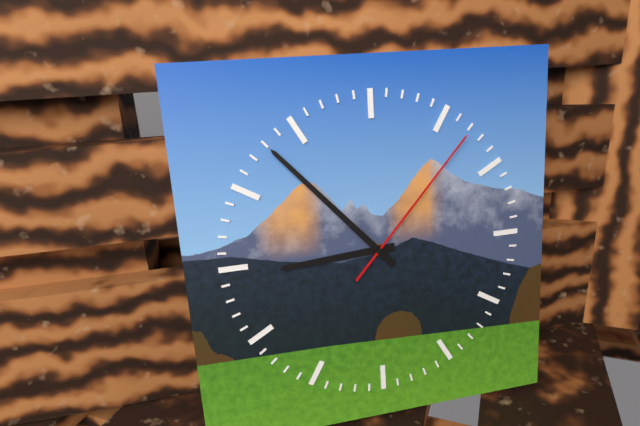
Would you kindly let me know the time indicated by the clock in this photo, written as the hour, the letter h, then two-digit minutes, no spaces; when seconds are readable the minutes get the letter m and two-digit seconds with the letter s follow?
8h53m07s
